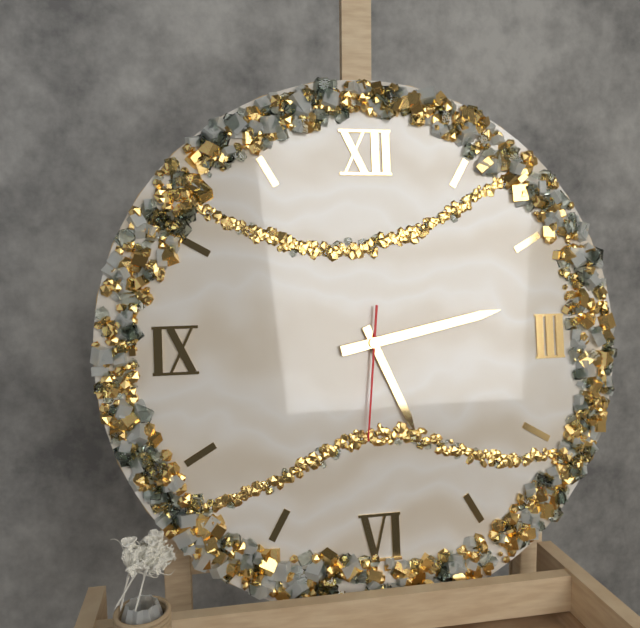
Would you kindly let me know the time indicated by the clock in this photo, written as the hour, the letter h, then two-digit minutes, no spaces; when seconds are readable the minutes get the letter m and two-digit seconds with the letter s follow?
5h13m31s
